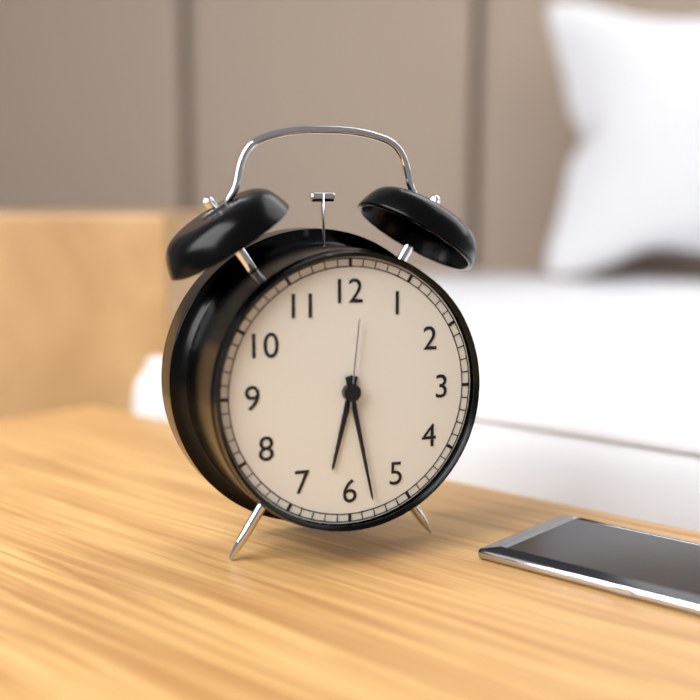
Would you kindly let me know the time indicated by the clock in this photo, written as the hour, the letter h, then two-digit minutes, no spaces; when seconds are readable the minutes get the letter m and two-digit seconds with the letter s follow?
6h28m01s
